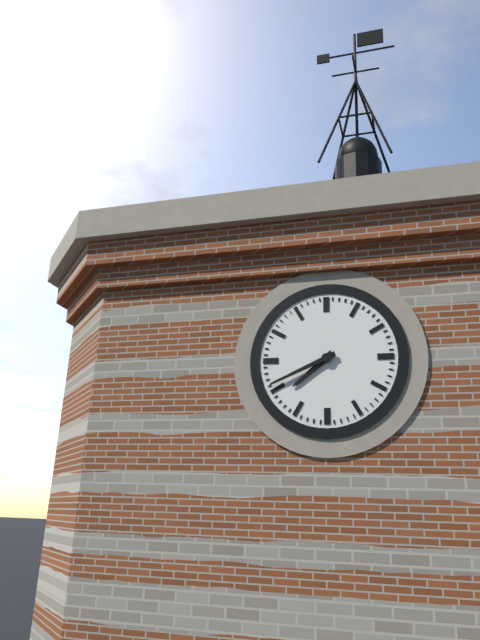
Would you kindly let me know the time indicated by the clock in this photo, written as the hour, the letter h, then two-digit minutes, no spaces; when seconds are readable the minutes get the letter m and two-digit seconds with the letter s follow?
7h41
